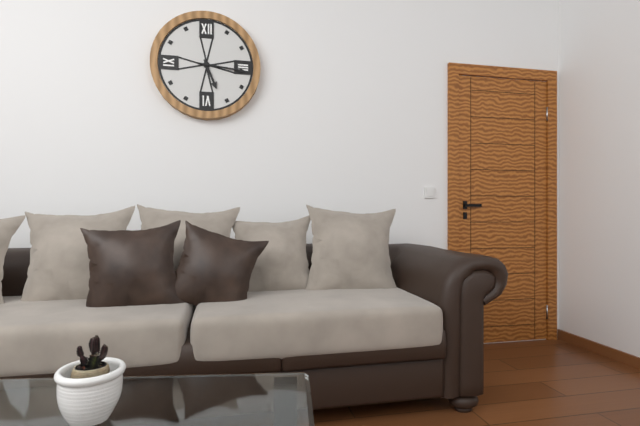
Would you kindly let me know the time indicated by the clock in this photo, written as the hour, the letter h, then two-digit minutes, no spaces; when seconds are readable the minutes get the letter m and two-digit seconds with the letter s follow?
5h16
